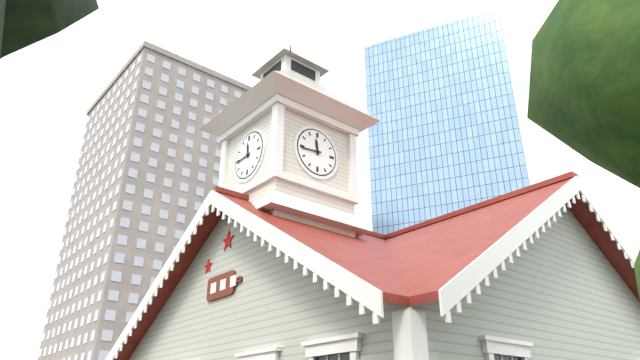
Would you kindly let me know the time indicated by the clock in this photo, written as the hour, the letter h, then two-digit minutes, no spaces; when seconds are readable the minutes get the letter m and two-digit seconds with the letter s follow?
11h44
